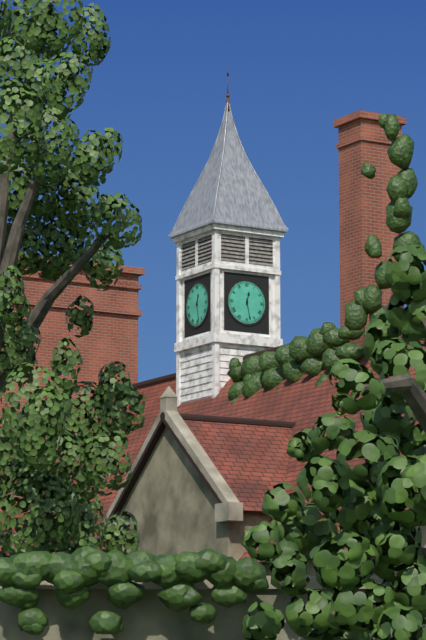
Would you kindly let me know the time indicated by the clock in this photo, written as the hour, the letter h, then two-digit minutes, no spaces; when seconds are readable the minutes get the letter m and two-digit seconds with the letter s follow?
12h28
